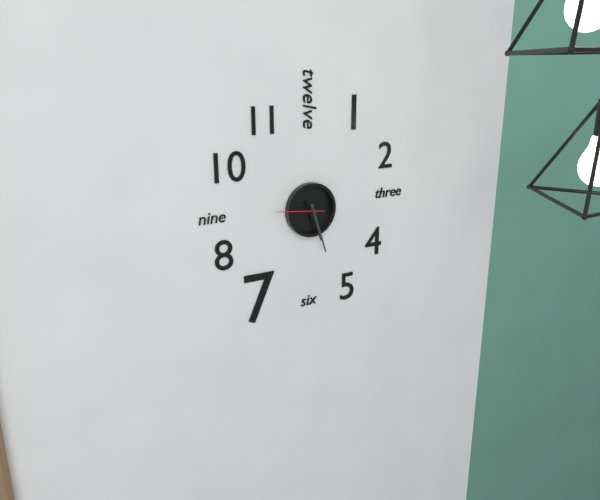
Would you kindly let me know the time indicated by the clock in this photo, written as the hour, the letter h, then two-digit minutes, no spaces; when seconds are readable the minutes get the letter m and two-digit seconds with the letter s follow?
5h27
